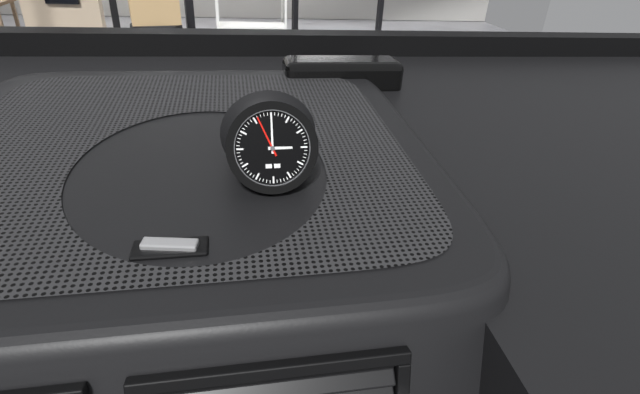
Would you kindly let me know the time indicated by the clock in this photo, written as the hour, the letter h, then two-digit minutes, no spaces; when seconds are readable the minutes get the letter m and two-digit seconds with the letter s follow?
3h00
